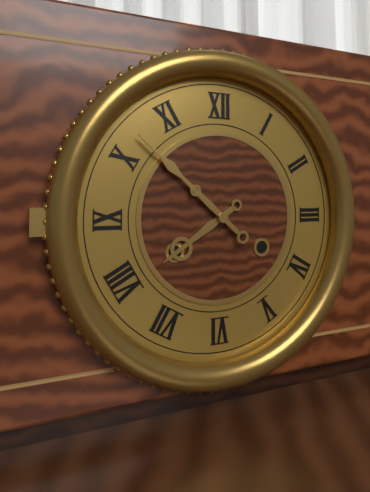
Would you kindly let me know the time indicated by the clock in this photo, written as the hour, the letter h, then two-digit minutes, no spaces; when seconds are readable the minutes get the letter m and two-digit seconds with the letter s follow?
7h52
